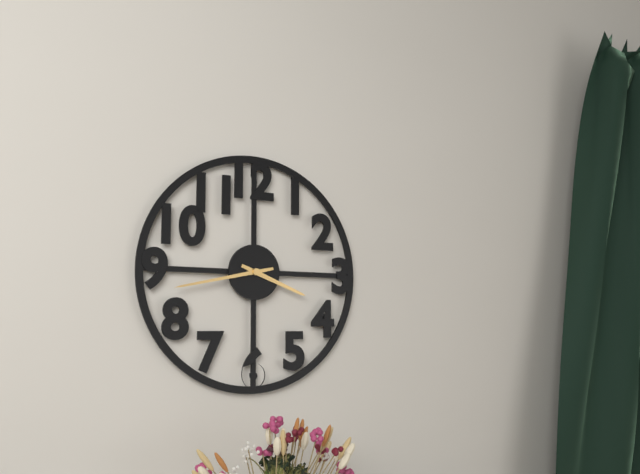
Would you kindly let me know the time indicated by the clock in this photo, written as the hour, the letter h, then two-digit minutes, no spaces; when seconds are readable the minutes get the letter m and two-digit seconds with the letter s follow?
3h43
